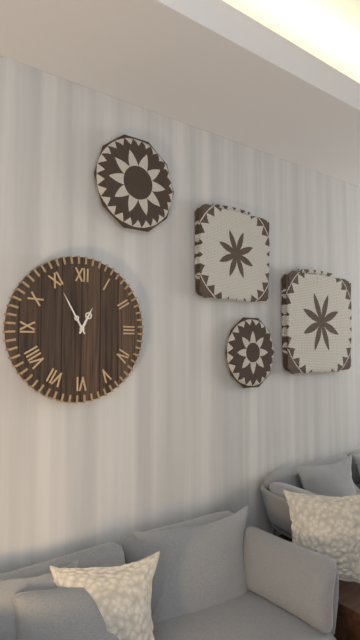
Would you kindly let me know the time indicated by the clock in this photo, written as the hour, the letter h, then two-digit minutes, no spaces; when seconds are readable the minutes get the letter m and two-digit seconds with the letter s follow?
12h55
